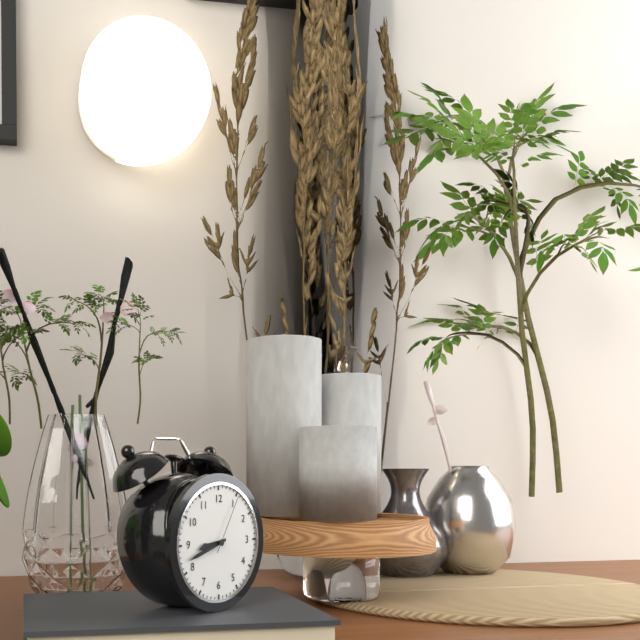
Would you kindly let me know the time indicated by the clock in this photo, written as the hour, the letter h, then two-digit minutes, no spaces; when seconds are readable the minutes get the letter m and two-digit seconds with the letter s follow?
8h42m05s
